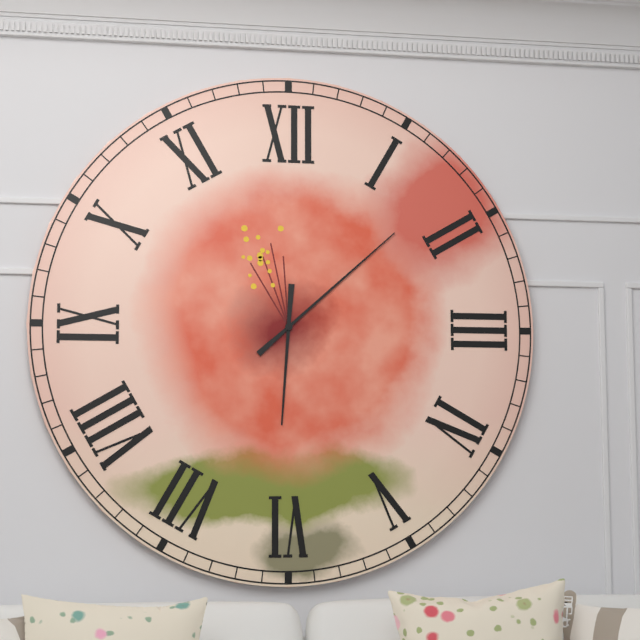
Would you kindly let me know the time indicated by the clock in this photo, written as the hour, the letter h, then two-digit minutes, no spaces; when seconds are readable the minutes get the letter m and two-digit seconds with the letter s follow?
6h08
